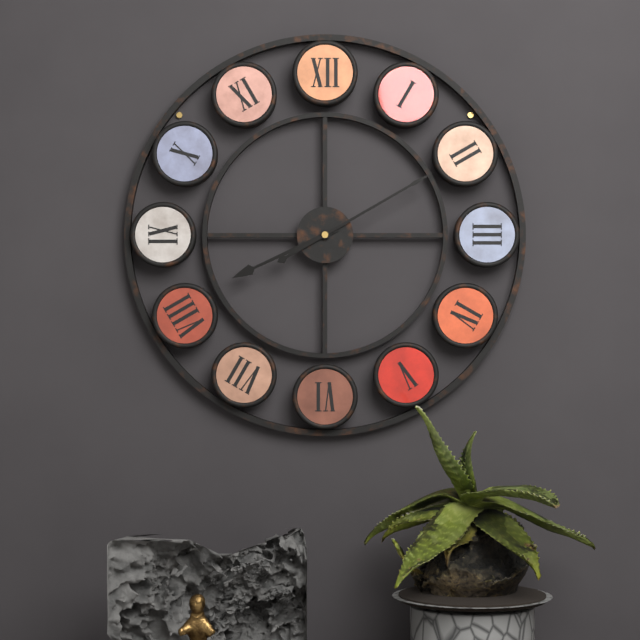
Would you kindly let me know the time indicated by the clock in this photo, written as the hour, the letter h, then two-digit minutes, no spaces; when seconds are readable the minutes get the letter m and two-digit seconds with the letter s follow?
8h10
